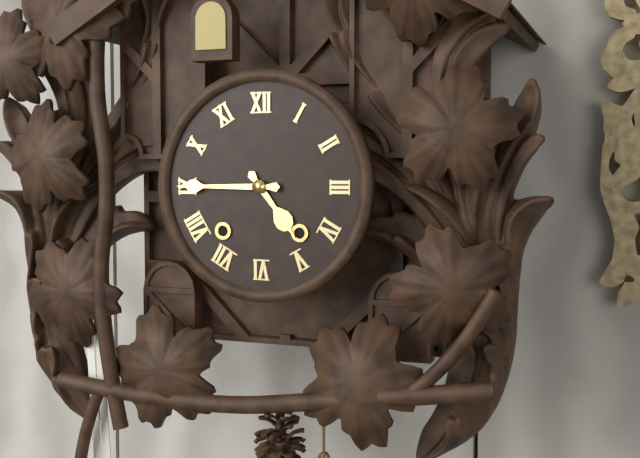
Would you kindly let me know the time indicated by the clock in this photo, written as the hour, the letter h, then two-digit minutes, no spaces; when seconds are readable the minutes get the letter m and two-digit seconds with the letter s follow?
4h45
